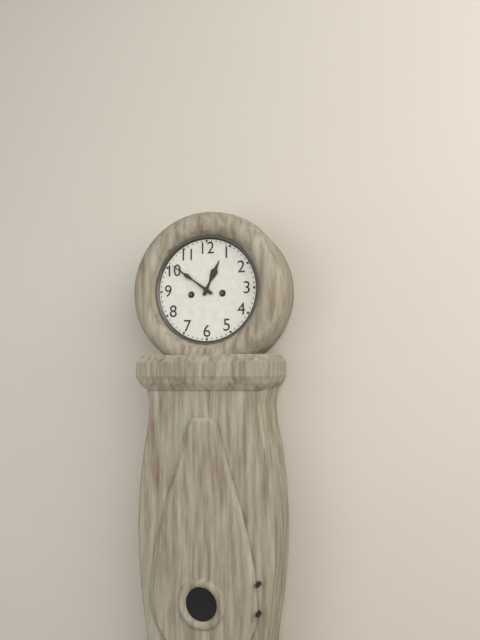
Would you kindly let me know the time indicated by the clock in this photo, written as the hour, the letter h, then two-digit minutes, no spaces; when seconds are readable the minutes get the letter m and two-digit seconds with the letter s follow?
12h51
